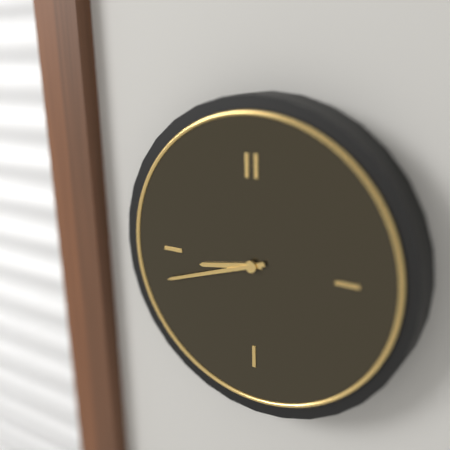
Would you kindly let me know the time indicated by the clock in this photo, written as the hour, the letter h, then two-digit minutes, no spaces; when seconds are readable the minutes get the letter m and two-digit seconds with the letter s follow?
8h42
